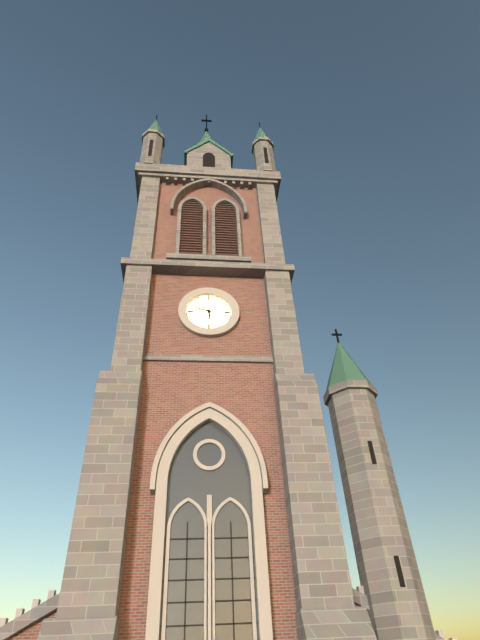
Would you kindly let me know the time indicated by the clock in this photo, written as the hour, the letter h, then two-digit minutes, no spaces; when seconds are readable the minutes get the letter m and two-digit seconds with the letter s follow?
5h48
